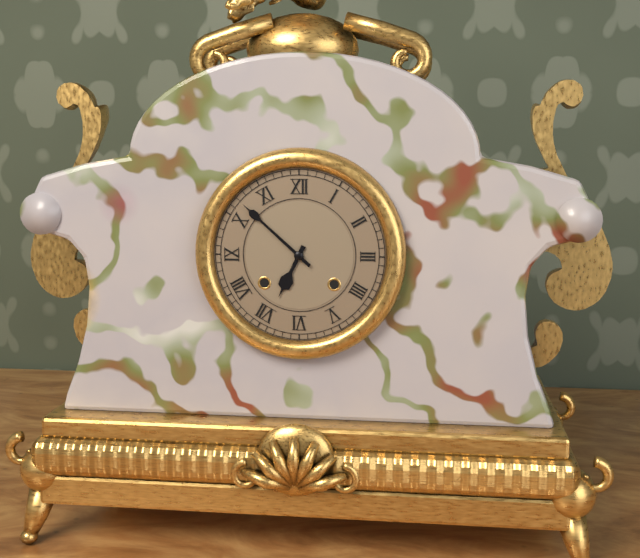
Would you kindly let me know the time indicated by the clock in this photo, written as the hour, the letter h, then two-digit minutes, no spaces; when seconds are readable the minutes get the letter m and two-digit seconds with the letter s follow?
6h52
